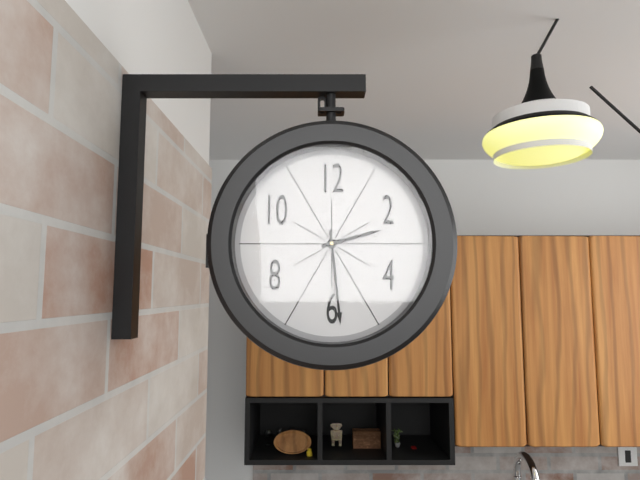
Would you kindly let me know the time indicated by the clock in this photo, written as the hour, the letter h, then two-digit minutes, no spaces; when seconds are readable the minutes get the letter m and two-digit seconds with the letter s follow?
2h29
